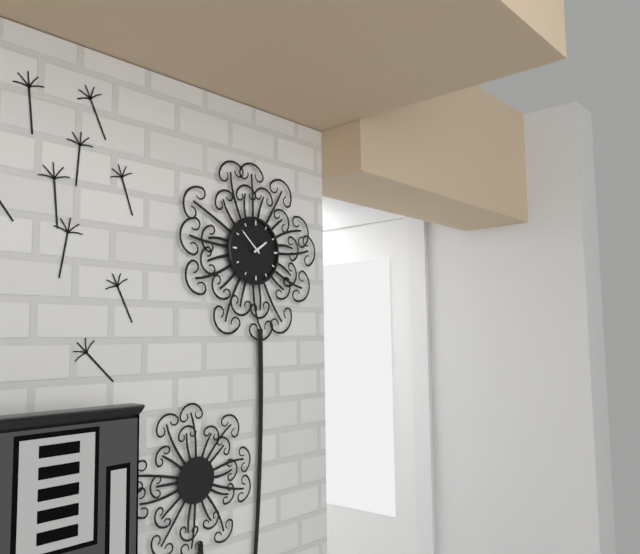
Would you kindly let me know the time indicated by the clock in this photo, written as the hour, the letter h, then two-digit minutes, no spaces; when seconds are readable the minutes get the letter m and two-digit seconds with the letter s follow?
1h52
